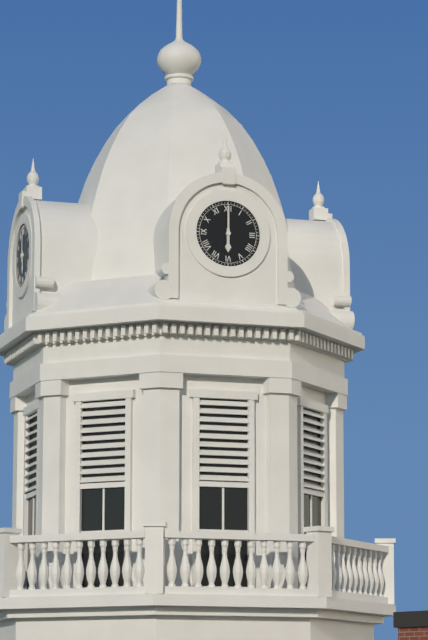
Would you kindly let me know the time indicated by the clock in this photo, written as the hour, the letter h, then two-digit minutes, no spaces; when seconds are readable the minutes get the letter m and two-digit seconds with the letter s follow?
6h00
